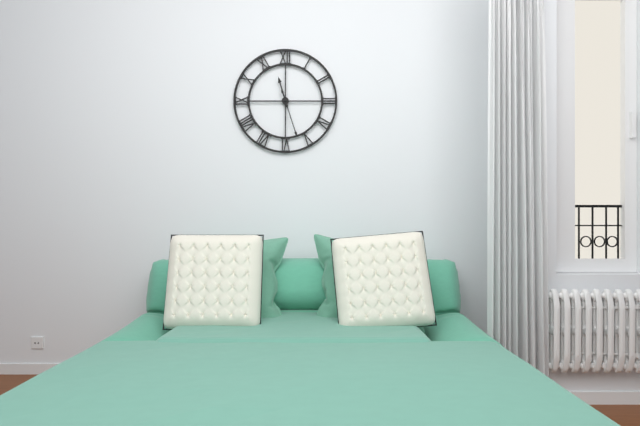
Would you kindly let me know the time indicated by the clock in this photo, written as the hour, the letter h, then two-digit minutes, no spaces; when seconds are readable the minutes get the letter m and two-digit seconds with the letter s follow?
11h27
